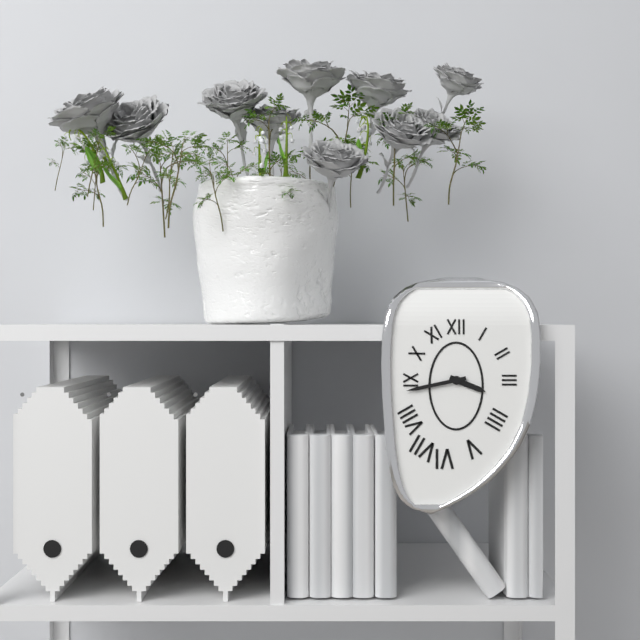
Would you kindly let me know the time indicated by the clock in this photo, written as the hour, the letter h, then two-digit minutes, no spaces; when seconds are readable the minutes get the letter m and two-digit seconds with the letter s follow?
3h43
